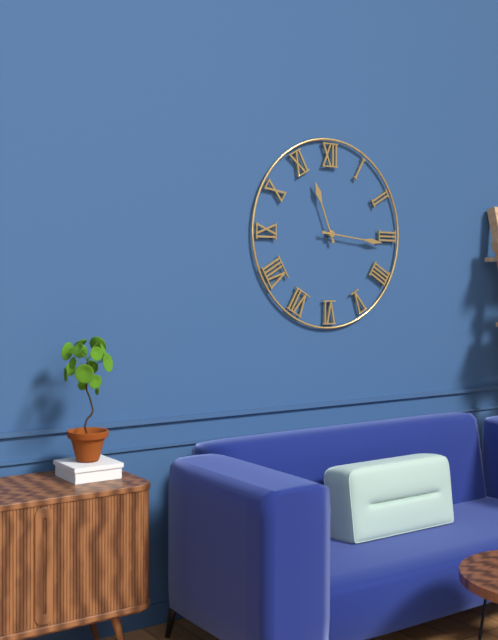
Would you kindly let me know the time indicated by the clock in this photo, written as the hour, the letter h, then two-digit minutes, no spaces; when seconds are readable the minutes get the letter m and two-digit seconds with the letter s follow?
11h16
